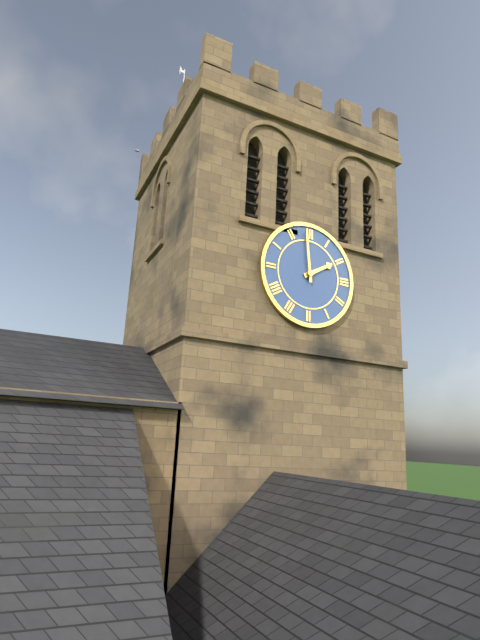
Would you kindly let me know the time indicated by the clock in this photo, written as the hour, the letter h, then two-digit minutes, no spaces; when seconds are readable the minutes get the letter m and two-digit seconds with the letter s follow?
1h59
